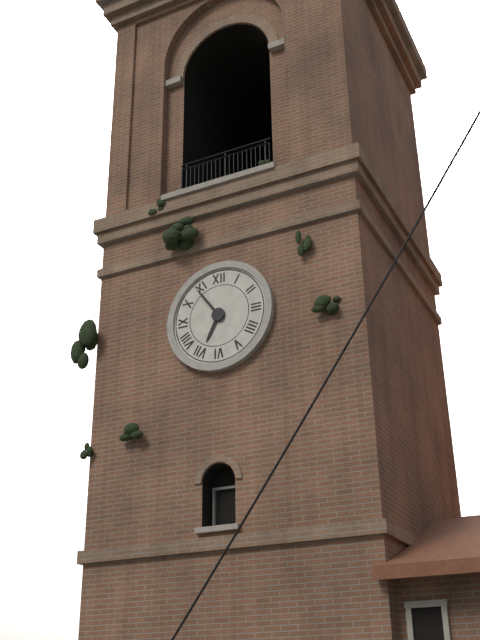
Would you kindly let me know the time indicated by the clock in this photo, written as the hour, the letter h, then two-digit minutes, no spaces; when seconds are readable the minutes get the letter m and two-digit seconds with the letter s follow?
6h54
